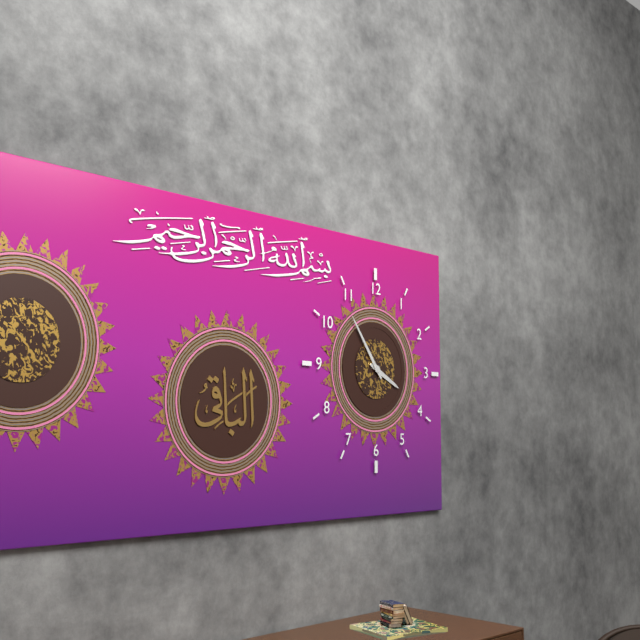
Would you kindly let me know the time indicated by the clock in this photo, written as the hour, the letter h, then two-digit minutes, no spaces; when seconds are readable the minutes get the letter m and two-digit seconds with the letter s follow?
3h54
